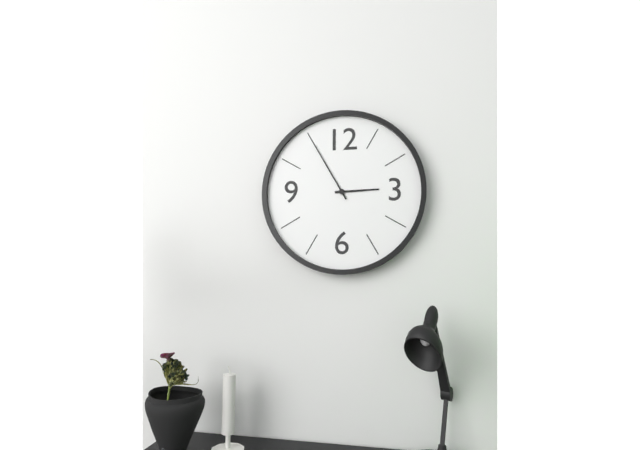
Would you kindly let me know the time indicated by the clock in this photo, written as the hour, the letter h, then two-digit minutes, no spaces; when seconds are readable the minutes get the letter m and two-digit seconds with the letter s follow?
2h55
